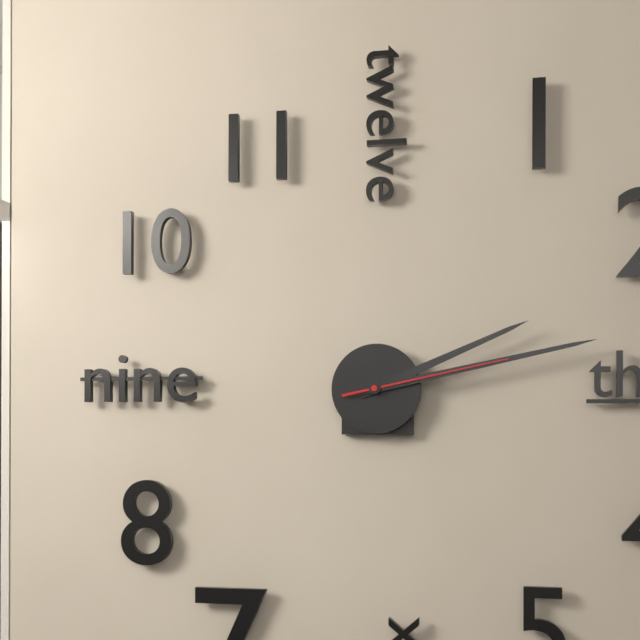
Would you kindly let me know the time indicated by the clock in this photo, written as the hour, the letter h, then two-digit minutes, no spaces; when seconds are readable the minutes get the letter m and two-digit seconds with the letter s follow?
2h13m13s
